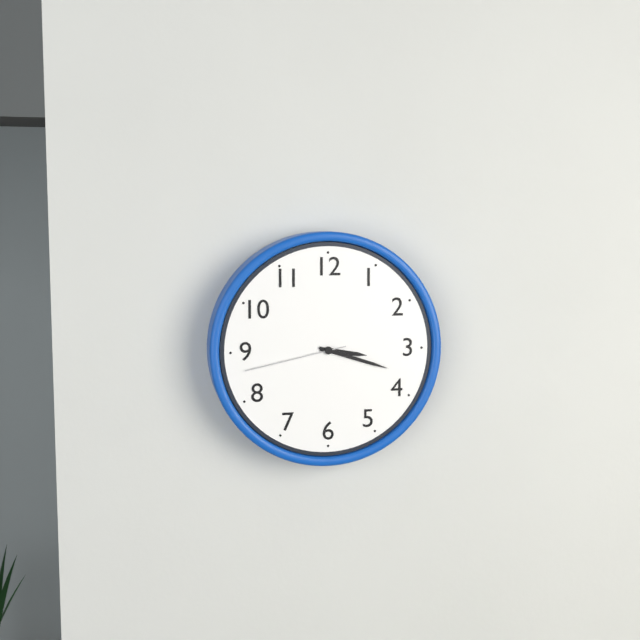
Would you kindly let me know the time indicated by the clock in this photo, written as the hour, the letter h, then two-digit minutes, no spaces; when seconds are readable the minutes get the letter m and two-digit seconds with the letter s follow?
3h18m43s
